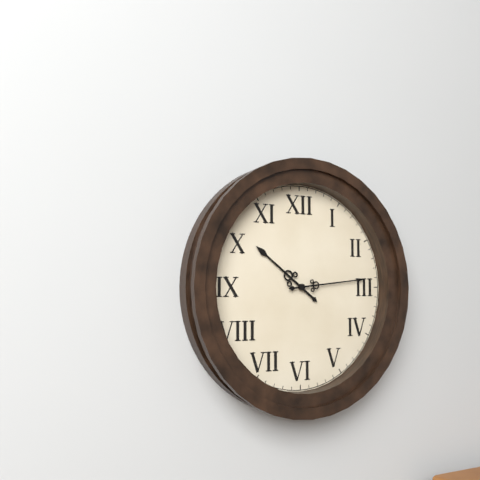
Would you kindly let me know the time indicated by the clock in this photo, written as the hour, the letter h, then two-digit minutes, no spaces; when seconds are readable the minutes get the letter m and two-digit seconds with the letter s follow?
10h14
